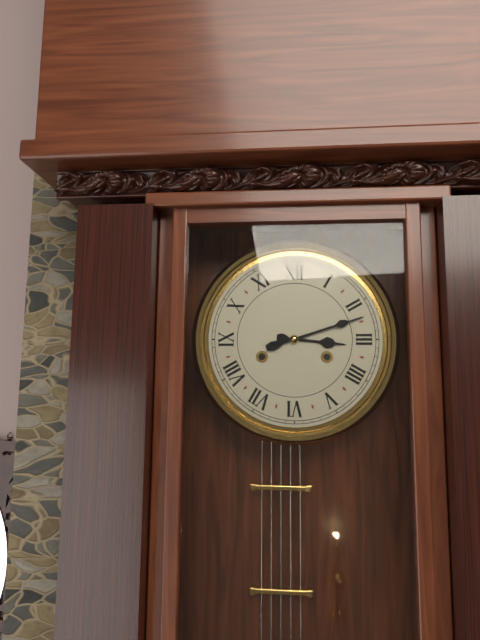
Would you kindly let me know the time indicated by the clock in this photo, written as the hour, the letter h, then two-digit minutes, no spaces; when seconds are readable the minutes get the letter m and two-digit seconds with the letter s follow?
3h12
